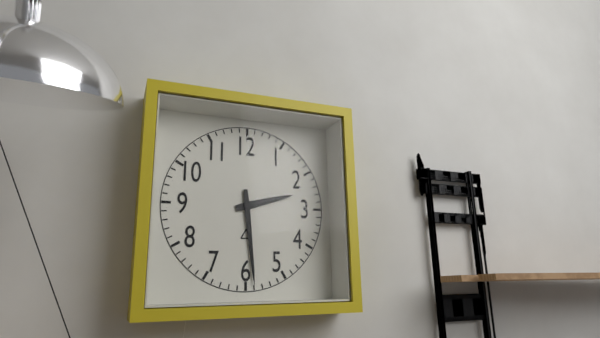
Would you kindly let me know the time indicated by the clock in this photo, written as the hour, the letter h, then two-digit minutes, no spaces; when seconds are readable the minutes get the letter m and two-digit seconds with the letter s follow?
2h29
